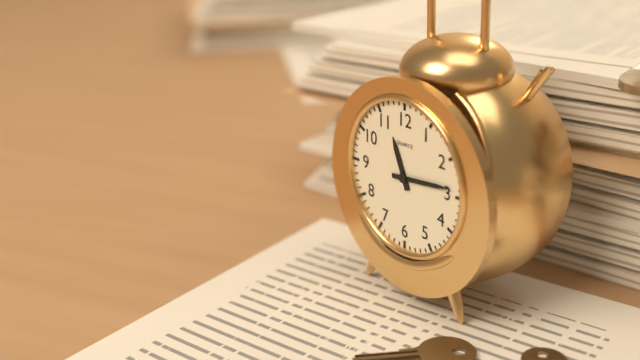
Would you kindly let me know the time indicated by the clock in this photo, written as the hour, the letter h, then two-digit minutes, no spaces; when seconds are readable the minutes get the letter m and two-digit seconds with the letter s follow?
11h14
